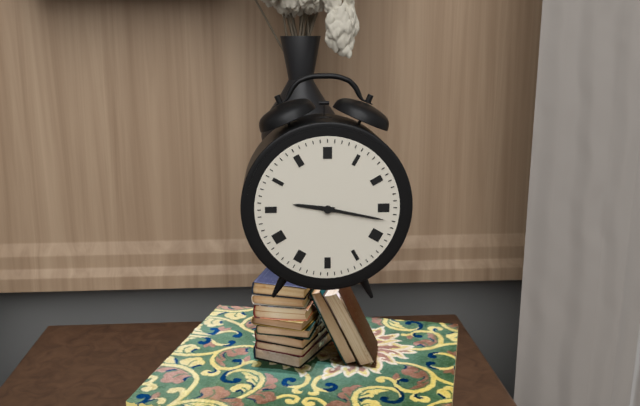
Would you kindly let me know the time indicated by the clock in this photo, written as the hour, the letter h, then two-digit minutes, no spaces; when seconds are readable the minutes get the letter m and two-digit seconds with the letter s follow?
9h17
